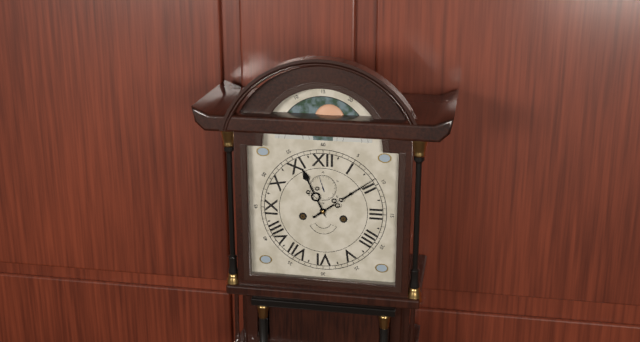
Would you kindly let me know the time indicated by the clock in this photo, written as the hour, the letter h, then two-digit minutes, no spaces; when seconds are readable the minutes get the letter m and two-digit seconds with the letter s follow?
11h09
